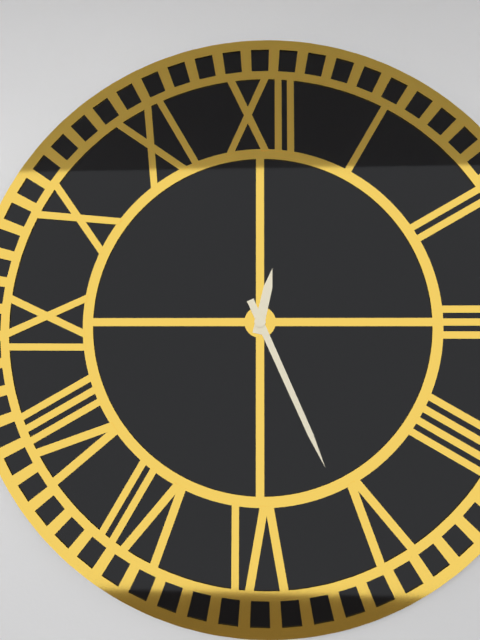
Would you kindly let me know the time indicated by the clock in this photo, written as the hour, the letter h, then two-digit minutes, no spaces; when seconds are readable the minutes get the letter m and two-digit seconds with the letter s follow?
12h26
